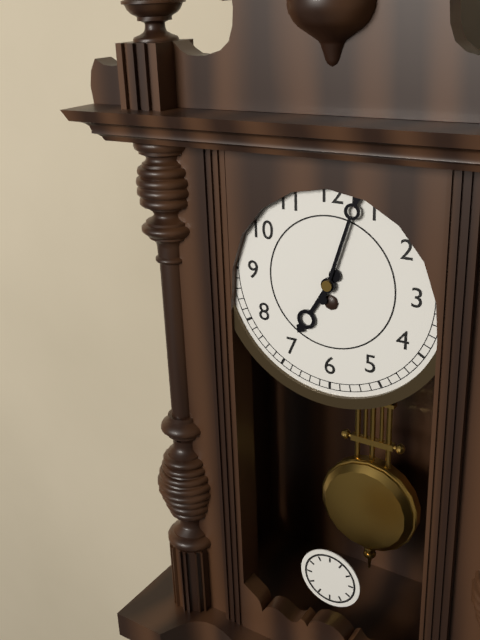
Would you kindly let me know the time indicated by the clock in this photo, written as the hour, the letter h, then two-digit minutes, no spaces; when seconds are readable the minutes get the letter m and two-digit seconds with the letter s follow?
7h03
